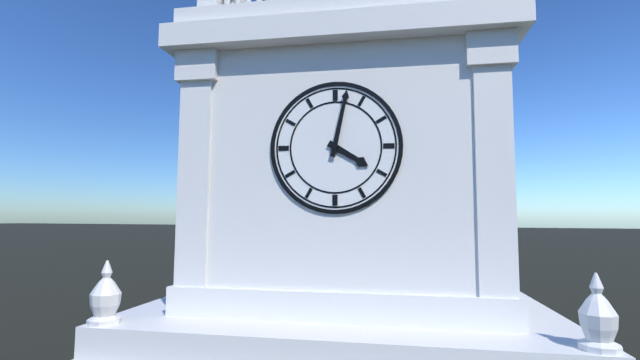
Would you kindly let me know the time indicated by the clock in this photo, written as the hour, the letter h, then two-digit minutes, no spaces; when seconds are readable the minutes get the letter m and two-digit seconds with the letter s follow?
4h02
